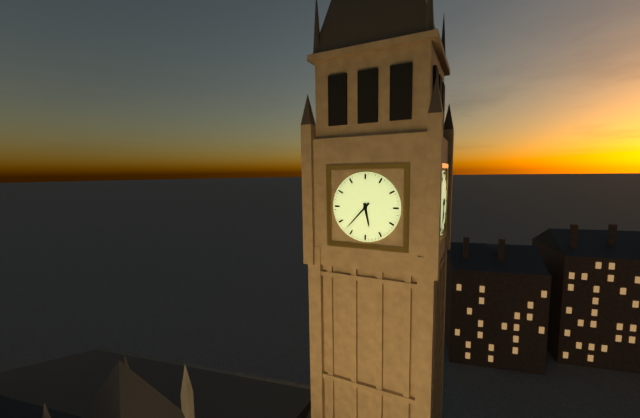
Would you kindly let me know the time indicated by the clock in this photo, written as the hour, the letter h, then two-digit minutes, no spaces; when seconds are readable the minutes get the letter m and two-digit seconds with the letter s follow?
5h37
